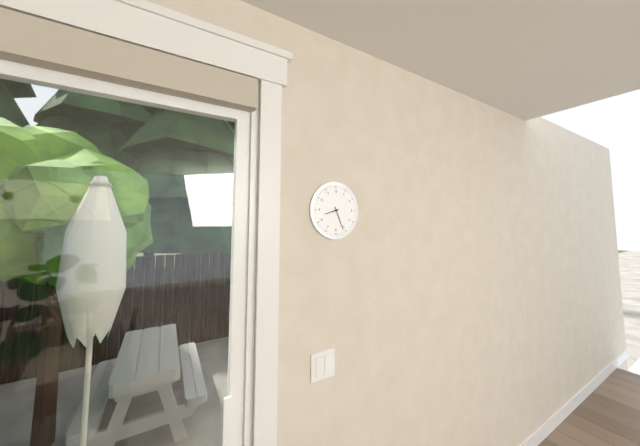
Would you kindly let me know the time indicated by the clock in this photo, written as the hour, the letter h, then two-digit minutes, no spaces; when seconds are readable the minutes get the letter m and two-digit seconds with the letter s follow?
8h26
